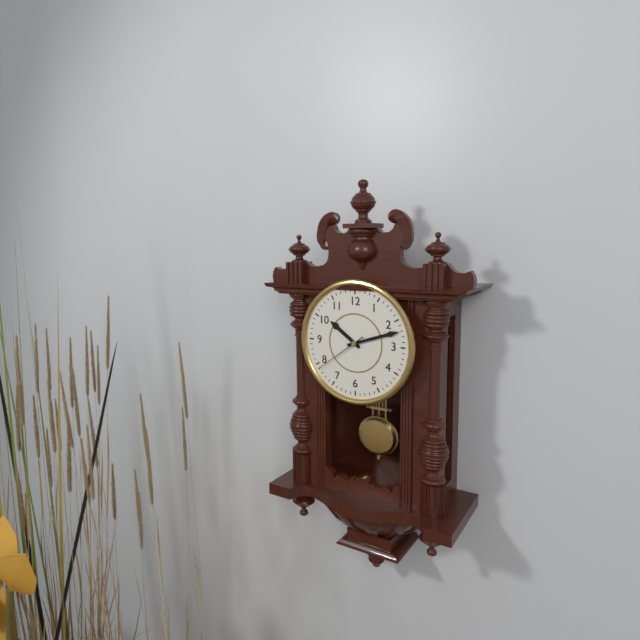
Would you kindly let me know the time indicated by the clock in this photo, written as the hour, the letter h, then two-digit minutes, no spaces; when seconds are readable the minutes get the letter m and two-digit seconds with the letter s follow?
10h12m39s
